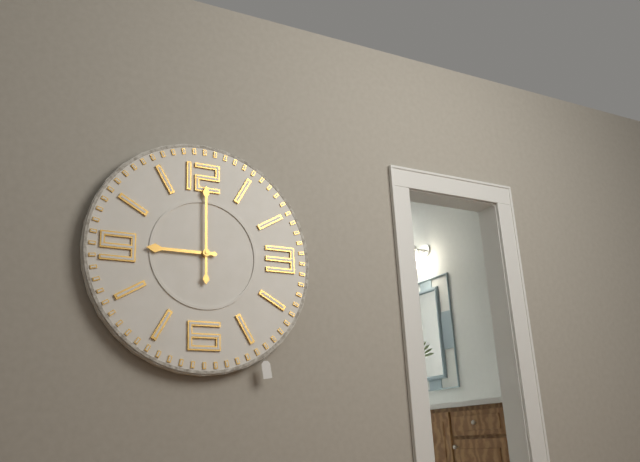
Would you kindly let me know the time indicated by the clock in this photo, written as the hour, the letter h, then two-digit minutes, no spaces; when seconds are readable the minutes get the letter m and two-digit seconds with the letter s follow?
9h00
